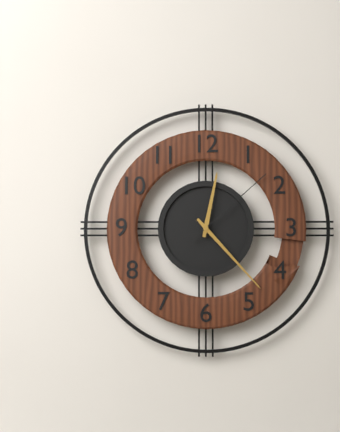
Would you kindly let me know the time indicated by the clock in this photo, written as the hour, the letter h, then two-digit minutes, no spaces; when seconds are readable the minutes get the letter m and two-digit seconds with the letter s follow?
12h23m08s
